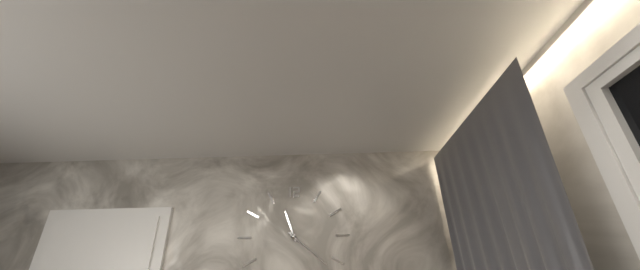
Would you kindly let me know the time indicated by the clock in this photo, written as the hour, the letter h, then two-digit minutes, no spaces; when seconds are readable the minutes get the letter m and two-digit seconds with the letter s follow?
11h22
